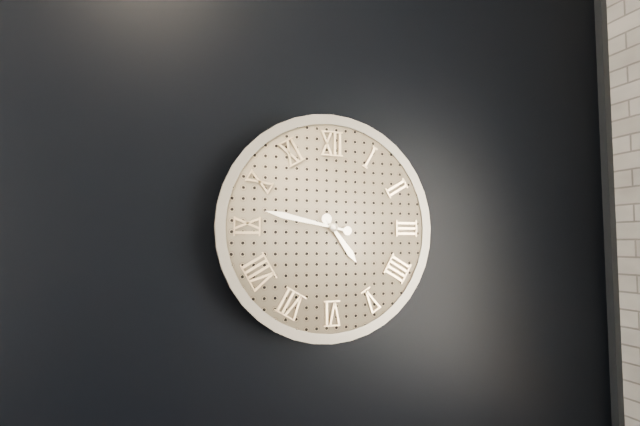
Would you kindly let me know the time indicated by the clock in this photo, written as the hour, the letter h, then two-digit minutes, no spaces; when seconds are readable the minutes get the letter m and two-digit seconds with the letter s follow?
4h47
